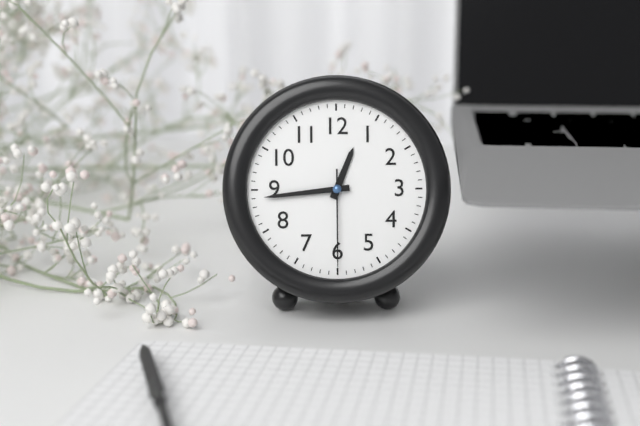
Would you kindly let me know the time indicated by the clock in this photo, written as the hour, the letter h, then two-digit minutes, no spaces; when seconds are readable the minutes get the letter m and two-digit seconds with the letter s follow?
12h44m30s
